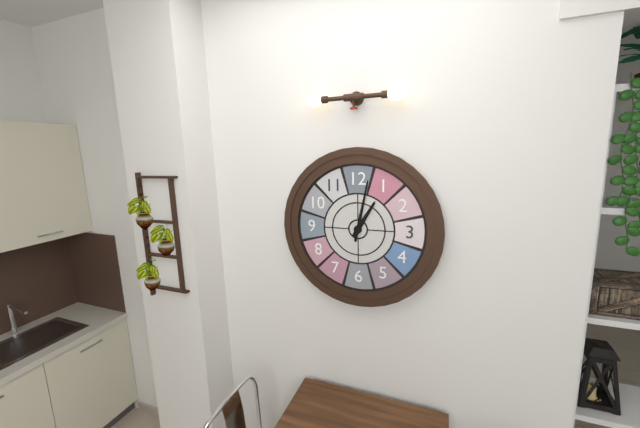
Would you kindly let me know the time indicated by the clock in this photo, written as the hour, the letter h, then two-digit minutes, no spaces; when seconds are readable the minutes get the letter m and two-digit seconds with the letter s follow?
1h02
